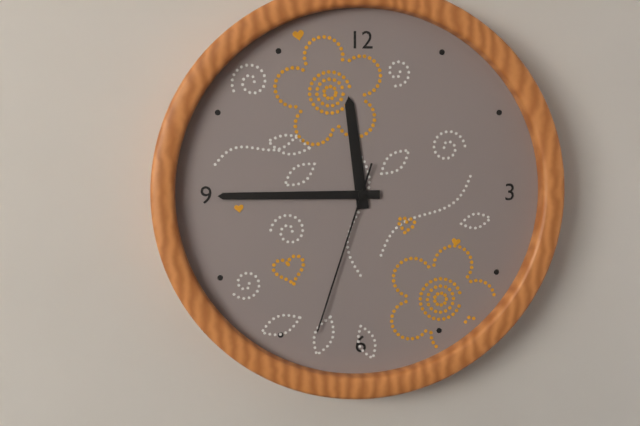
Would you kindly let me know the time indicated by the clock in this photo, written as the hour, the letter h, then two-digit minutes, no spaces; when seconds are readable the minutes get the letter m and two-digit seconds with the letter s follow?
11h45m33s
